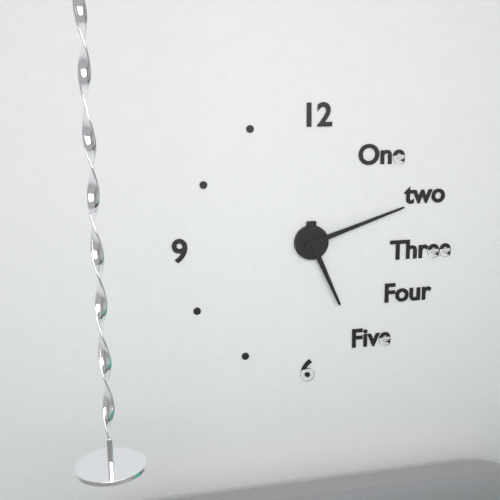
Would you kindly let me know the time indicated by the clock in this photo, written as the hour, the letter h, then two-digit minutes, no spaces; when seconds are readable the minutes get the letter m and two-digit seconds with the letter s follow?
5h12
